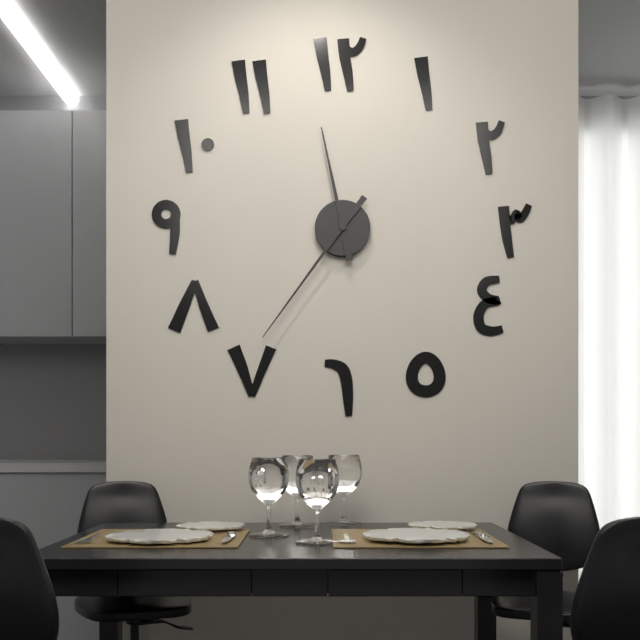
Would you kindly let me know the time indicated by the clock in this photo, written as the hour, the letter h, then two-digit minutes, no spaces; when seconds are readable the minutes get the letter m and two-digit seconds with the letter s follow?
11h36
